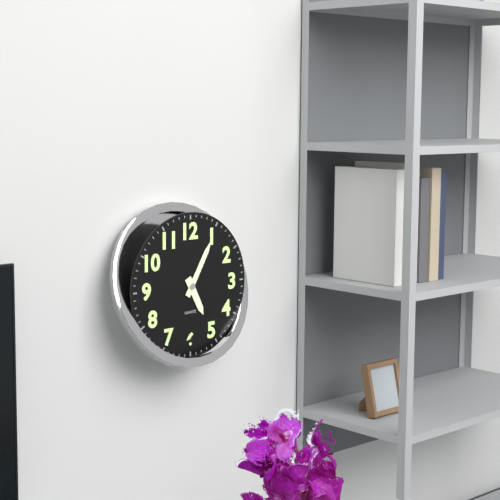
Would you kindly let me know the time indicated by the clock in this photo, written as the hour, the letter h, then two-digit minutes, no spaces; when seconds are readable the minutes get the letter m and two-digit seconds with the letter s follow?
5h05
